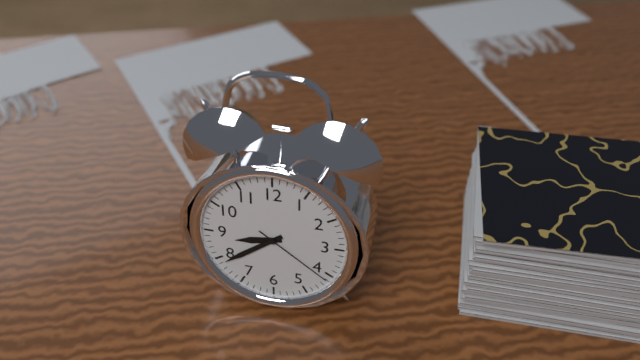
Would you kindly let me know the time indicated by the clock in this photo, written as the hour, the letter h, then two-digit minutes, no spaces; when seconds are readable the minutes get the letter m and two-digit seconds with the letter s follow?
8h39m21s
